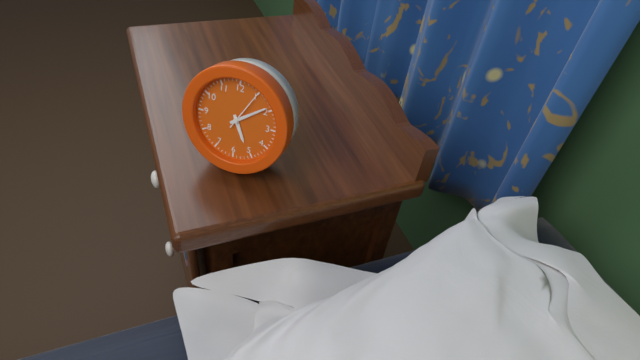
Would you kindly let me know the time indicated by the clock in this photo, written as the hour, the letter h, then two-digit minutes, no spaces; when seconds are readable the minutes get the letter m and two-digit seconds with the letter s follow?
5h09
